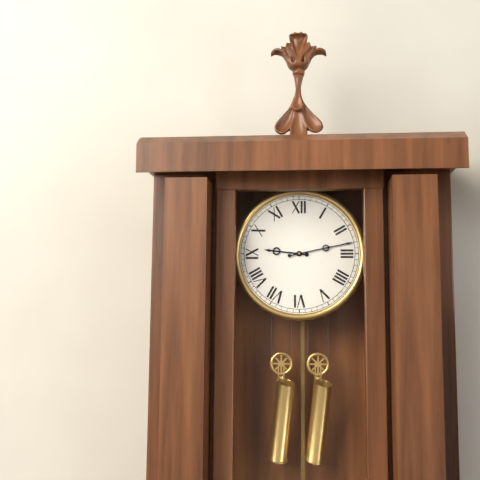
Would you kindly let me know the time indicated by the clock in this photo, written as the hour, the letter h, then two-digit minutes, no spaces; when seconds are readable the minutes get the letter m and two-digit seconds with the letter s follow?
9h13
